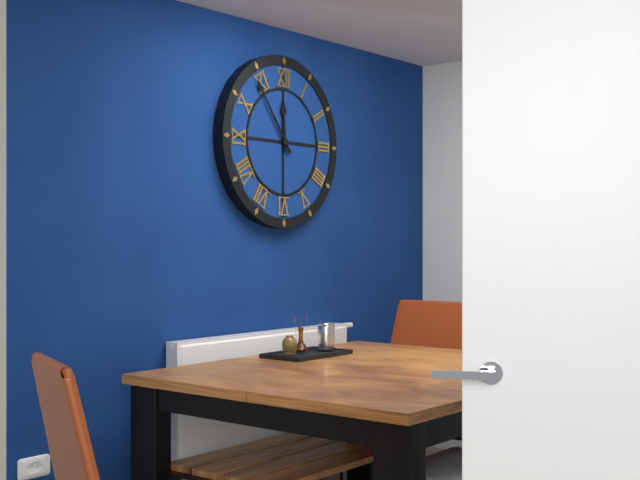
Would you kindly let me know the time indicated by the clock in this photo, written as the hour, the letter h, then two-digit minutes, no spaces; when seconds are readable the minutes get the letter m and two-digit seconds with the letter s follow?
11h54
